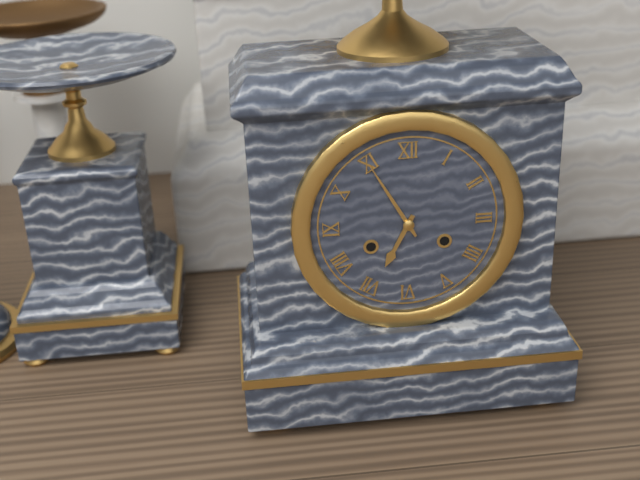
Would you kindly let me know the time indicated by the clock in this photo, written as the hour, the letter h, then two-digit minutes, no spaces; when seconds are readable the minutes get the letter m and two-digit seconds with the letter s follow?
6h55
